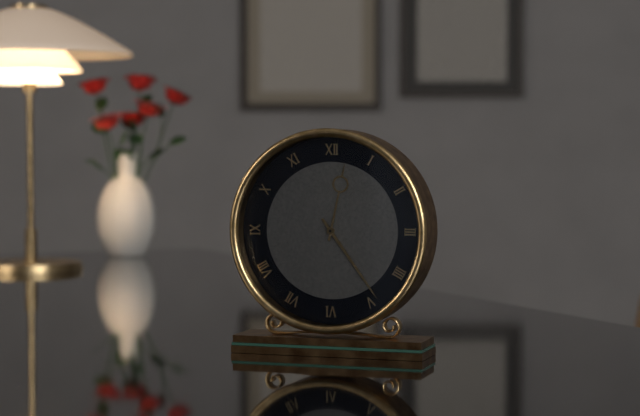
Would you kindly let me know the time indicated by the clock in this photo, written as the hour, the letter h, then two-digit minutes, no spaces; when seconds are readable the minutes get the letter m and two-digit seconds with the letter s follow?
12h24
